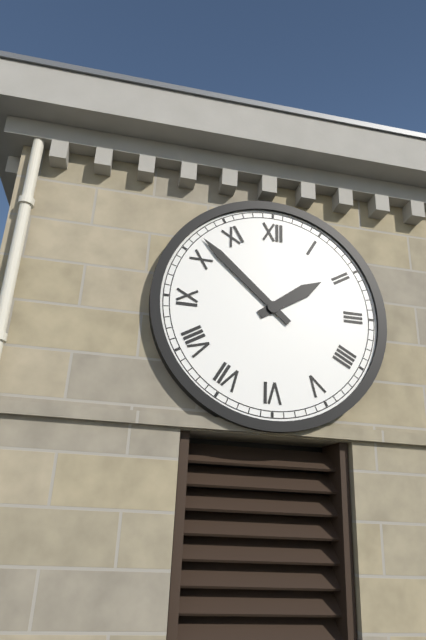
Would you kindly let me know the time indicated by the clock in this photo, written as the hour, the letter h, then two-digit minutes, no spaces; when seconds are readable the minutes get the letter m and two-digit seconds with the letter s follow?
1h52
